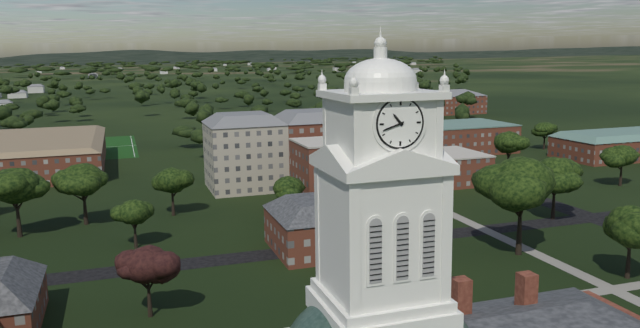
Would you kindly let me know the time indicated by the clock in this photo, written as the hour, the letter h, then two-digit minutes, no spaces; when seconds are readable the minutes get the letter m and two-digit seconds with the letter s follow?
10h42
